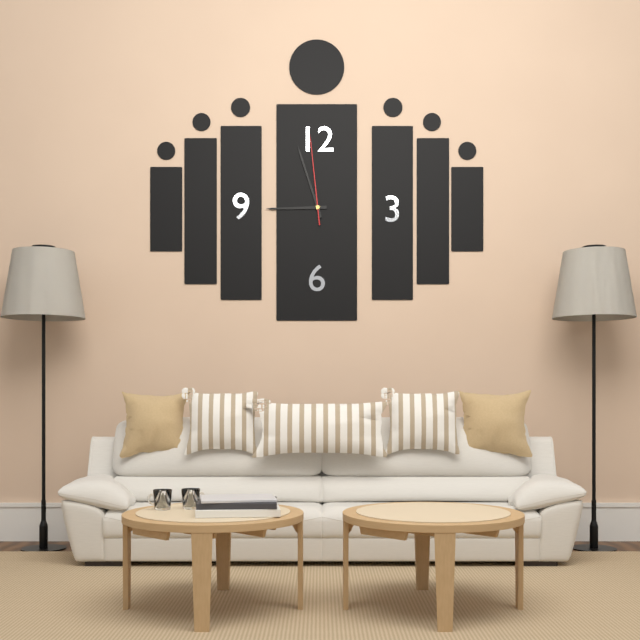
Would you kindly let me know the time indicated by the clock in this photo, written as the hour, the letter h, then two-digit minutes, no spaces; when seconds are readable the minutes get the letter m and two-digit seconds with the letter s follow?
8h57m59s
